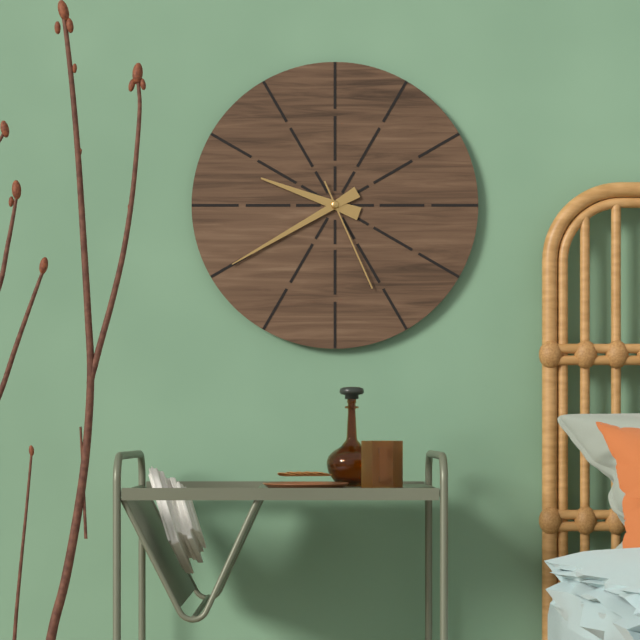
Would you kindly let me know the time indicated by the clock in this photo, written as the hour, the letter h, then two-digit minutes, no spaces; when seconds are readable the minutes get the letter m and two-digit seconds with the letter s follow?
9h40m26s
